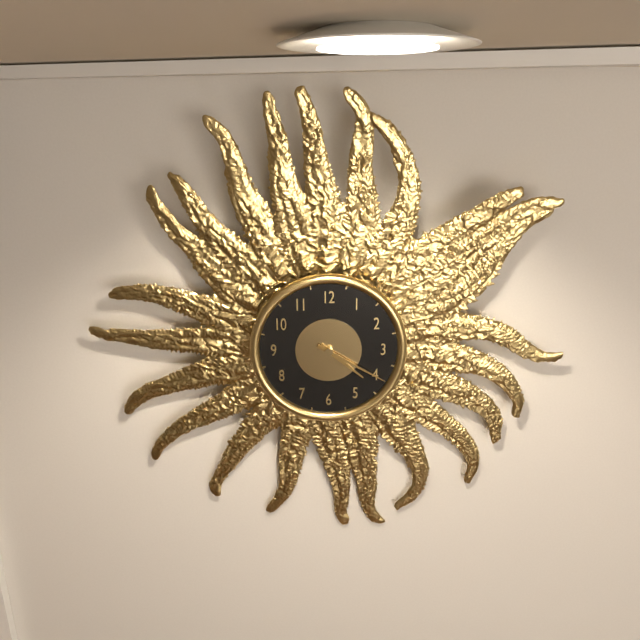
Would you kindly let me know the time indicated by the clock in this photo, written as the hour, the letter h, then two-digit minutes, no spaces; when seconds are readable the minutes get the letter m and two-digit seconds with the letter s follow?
4h20
